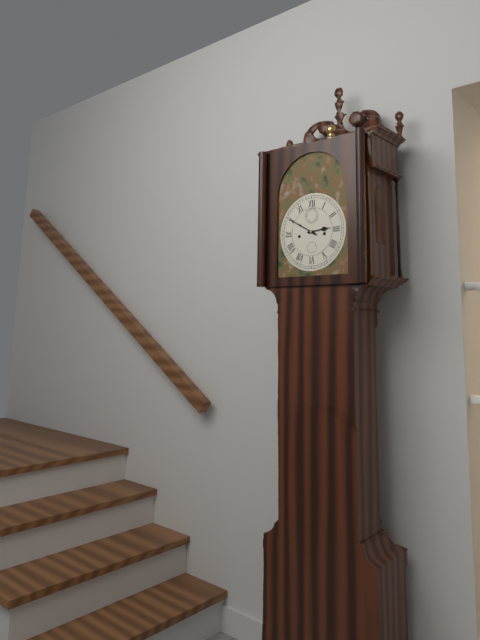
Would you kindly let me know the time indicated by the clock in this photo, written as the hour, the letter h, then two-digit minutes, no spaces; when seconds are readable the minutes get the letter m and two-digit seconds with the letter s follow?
2h50
